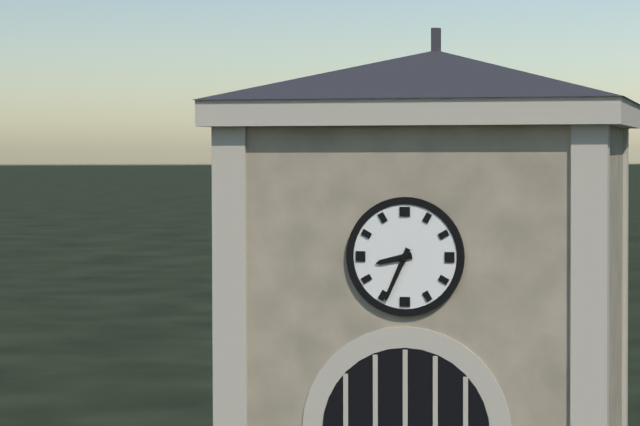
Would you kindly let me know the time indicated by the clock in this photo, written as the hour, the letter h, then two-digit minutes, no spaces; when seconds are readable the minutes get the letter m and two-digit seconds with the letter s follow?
8h34
